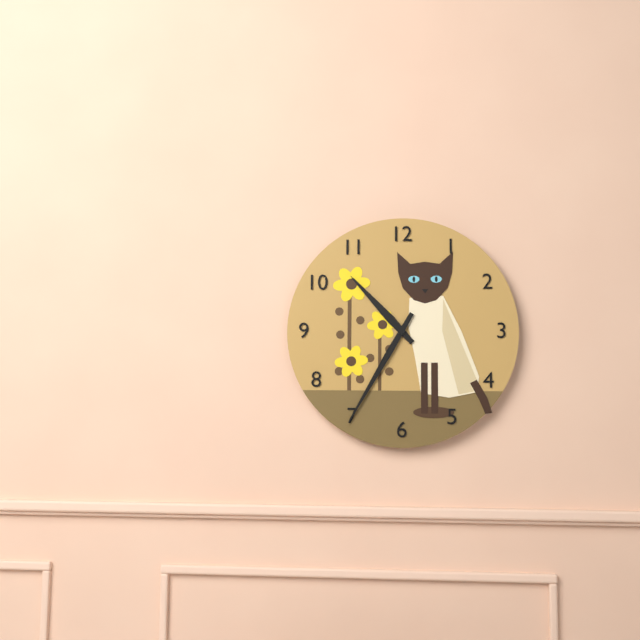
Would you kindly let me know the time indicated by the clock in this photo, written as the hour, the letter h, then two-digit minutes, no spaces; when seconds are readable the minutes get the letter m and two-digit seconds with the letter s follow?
10h35
